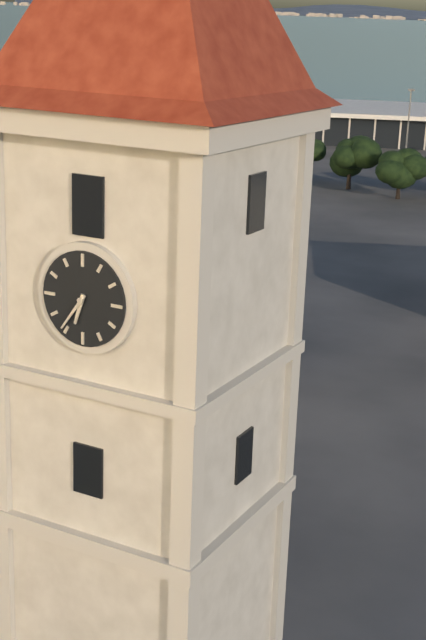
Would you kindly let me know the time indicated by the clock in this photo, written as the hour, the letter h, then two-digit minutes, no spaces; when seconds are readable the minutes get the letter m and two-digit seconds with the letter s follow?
6h36
